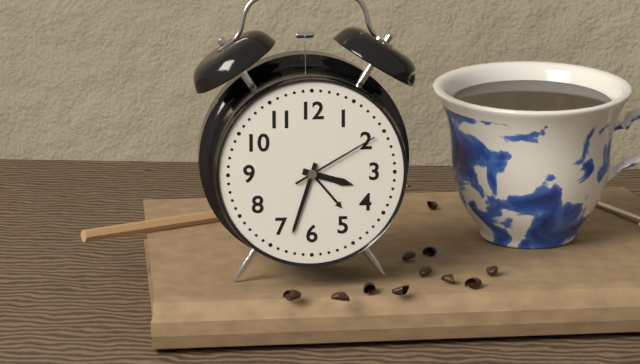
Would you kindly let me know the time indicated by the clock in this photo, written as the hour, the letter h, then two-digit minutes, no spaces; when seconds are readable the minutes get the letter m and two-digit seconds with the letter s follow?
3h33m10s
